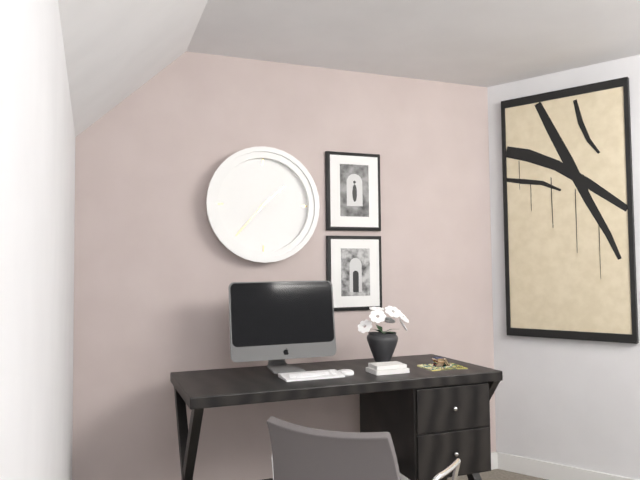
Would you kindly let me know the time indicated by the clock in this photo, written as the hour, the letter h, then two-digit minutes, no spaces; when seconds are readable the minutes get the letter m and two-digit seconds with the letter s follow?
1h37
